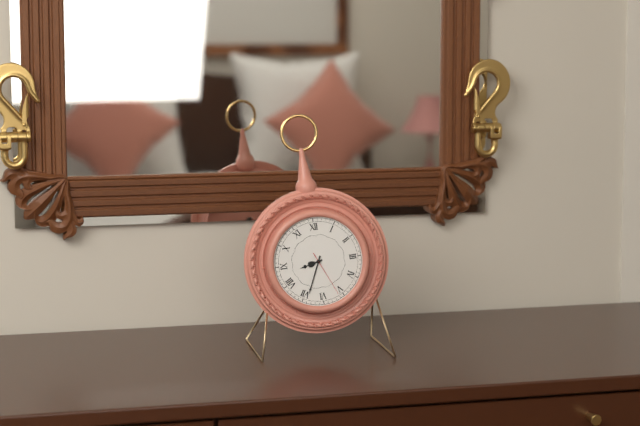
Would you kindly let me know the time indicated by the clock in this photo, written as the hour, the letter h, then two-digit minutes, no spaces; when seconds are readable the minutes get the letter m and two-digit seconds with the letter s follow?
8h34m26s
